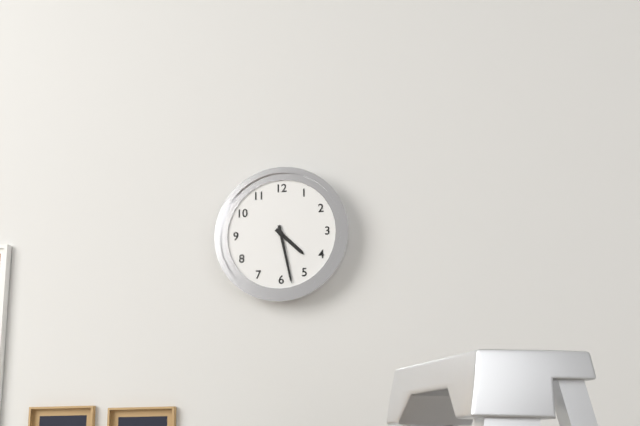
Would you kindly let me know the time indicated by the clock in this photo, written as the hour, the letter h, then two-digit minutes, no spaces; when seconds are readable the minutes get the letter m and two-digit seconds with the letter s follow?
4h28
